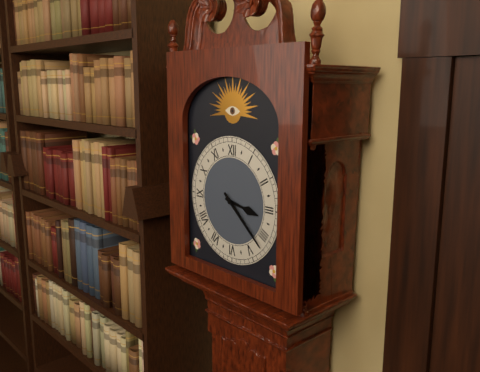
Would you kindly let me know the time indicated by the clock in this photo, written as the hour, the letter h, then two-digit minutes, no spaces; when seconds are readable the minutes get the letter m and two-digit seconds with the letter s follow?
3h22
